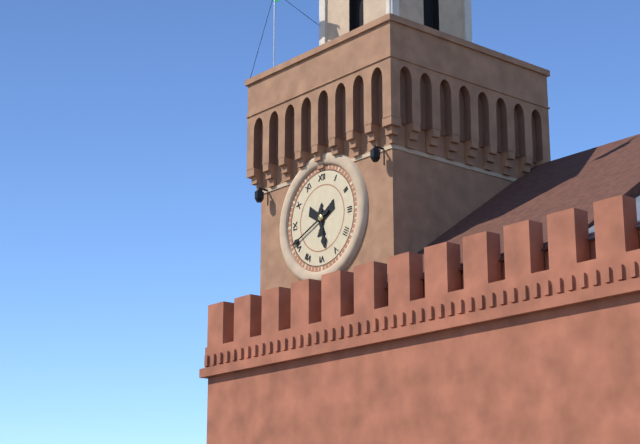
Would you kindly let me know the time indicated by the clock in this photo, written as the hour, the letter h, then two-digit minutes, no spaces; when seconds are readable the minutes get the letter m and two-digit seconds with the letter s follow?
5h41
